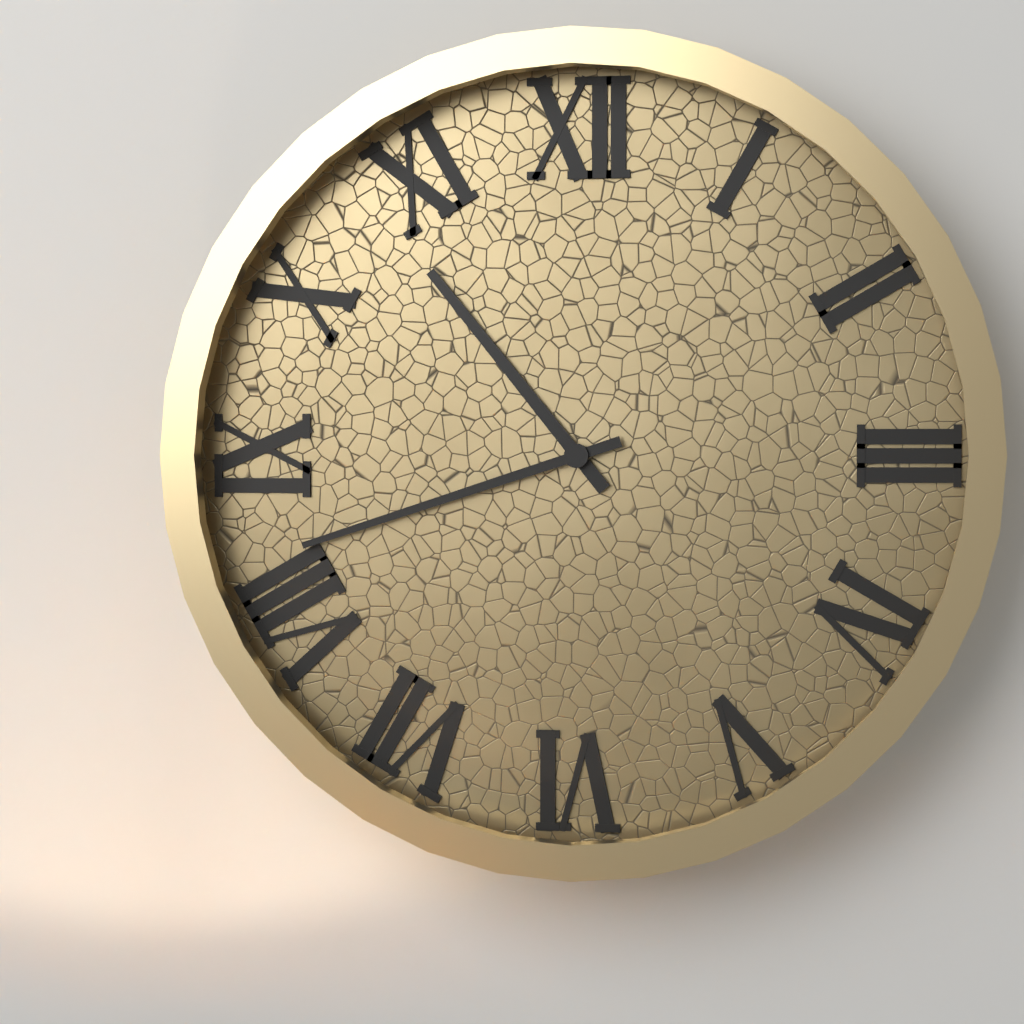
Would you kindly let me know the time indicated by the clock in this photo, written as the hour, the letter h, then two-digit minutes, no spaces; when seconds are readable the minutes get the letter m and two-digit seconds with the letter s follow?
10h42
